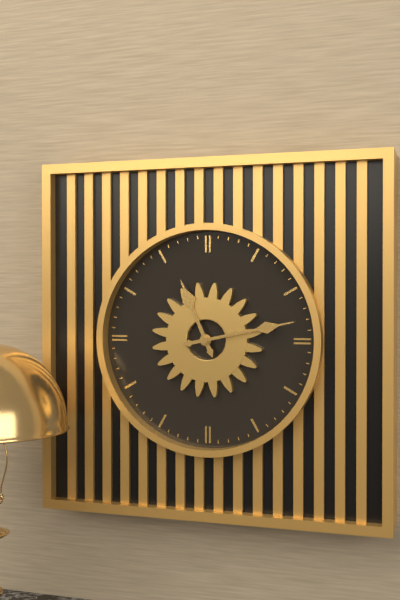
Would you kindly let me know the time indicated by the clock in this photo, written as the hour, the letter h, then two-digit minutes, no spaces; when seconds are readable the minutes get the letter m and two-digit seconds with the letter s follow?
11h13
